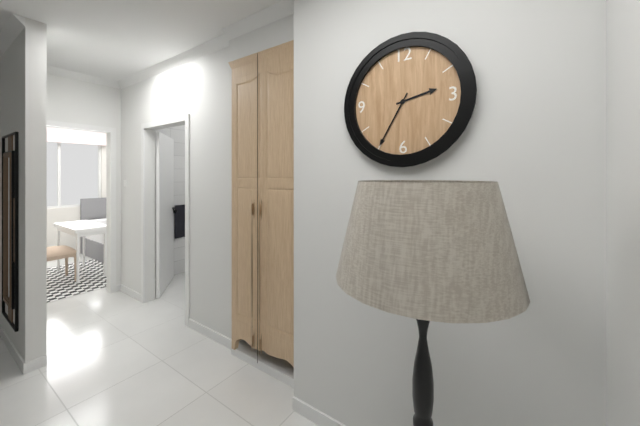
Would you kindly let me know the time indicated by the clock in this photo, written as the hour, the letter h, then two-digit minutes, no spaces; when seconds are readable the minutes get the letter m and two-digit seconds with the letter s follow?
2h35
